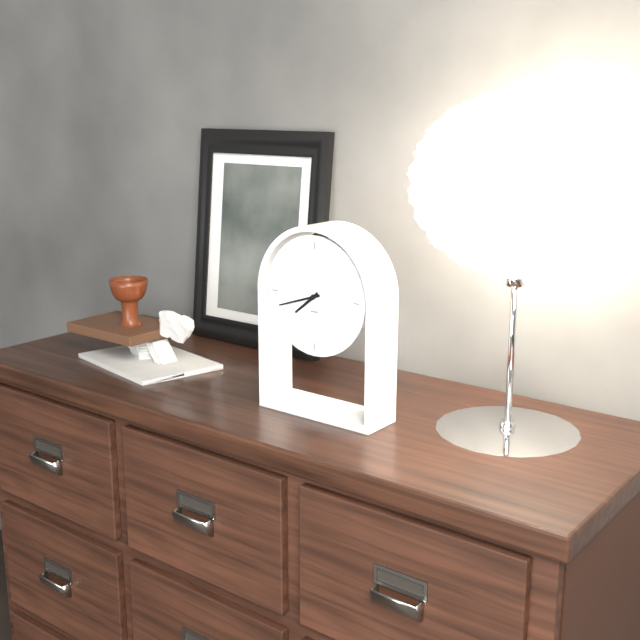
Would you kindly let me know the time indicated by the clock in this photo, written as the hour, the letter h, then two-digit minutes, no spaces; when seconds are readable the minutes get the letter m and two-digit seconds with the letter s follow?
7h42
